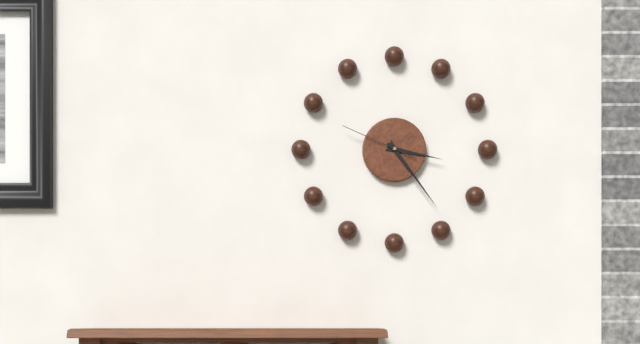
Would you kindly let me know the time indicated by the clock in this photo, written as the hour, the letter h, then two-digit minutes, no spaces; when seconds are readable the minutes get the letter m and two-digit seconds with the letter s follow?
3h24m49s
